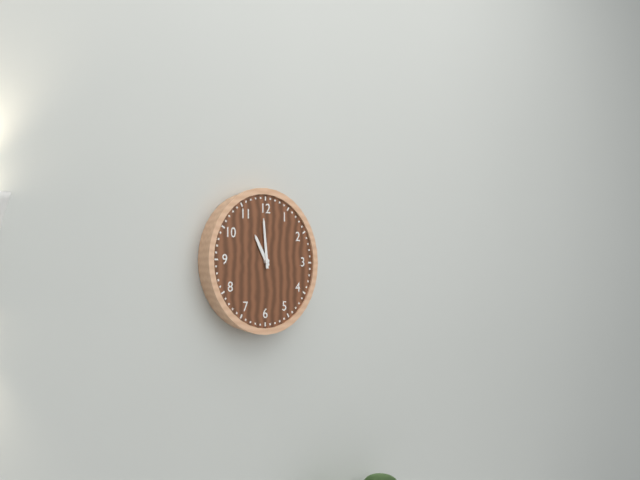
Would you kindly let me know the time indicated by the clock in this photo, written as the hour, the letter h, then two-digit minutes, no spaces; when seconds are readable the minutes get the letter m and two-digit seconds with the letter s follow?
10h59
